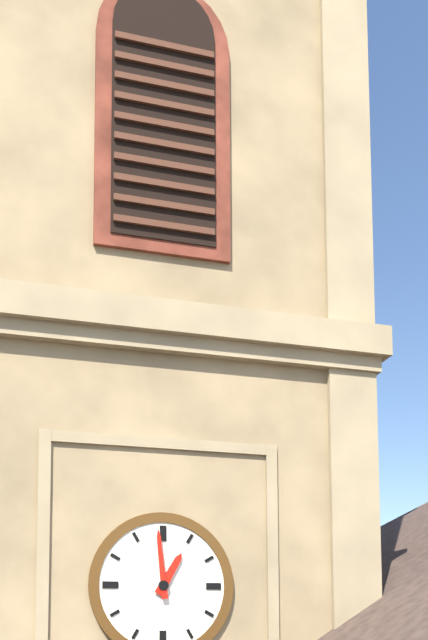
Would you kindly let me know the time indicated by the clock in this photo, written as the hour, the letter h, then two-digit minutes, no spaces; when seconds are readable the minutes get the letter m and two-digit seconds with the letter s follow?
12h59
